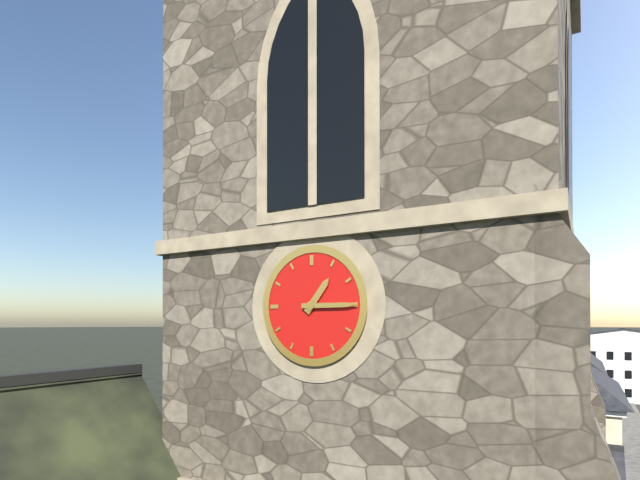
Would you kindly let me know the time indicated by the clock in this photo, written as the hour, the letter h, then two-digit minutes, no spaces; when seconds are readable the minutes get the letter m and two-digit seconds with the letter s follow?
1h15
